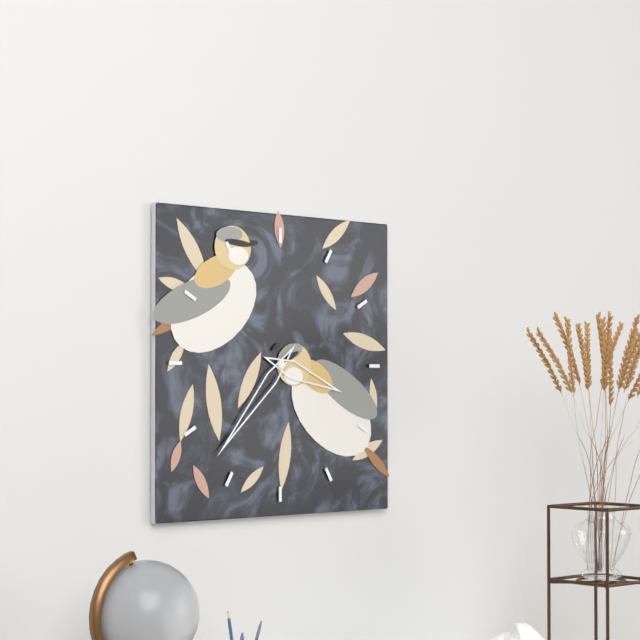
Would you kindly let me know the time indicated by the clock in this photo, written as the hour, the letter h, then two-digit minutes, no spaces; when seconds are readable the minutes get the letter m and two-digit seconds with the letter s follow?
3h37
